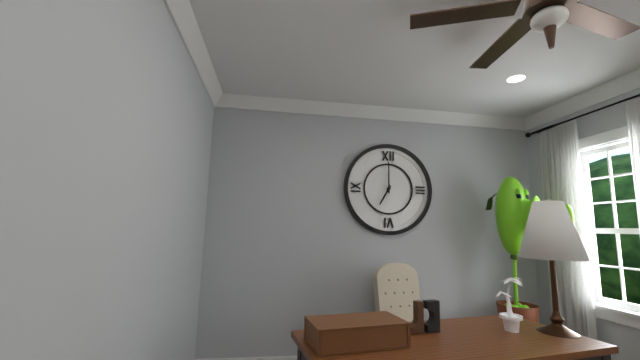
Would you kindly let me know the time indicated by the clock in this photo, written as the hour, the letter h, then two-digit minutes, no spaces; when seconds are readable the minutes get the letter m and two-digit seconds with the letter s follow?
7h00
